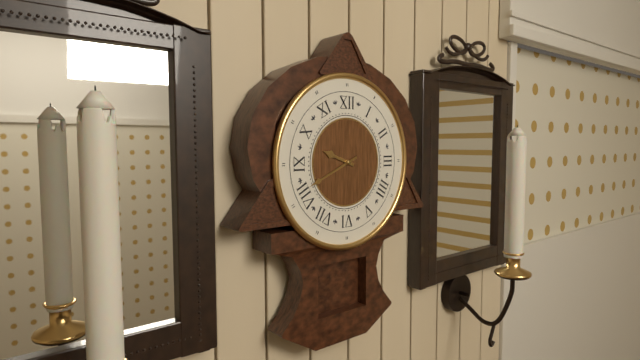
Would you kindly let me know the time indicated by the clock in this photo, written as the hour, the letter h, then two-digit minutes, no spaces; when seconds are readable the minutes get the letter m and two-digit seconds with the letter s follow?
9h41
